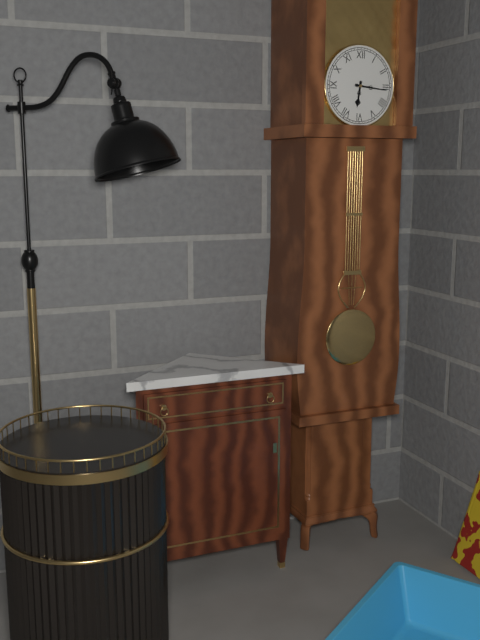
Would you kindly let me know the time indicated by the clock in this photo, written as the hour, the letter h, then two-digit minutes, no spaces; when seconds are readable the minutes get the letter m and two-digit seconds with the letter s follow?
6h16
